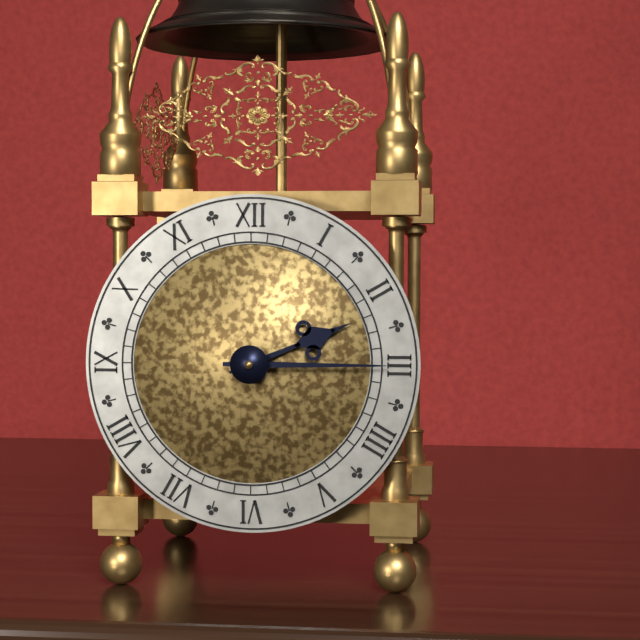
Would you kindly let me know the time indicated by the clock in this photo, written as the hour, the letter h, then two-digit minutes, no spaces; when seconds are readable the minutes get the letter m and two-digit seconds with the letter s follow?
2h15
